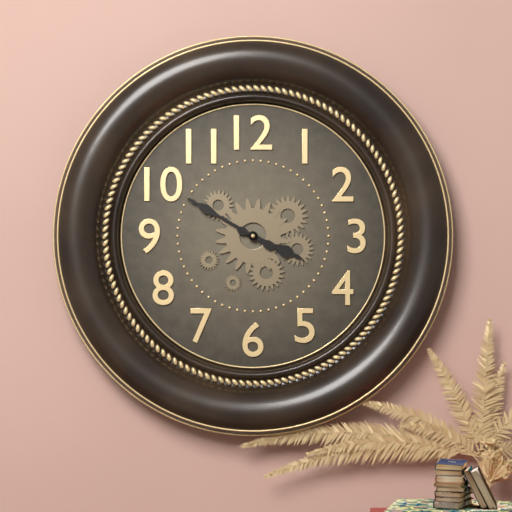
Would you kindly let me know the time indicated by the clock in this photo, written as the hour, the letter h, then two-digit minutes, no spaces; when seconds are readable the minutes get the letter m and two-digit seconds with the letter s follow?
3h50
